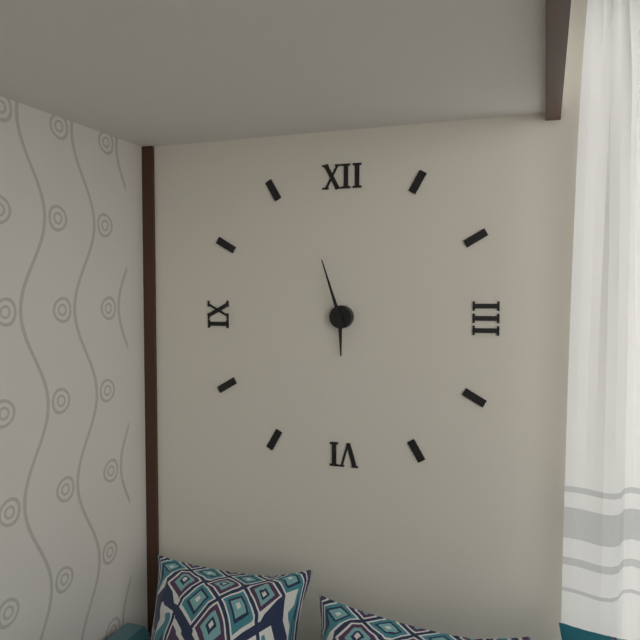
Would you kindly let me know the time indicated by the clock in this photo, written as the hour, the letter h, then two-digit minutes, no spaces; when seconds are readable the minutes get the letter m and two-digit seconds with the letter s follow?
5h57
